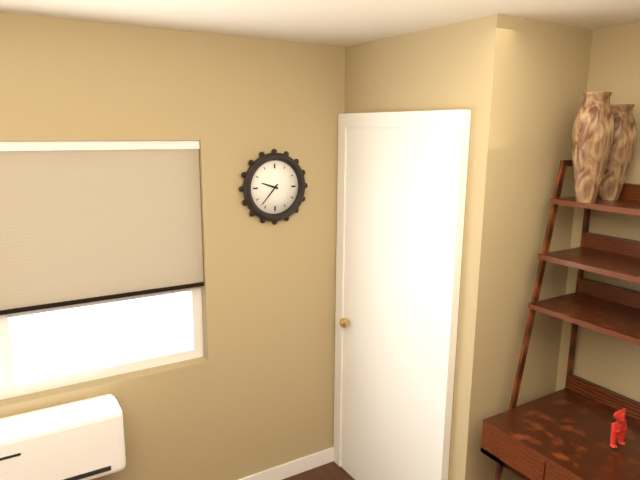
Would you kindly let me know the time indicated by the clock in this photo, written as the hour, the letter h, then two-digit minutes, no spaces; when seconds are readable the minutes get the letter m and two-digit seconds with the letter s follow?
9h37
